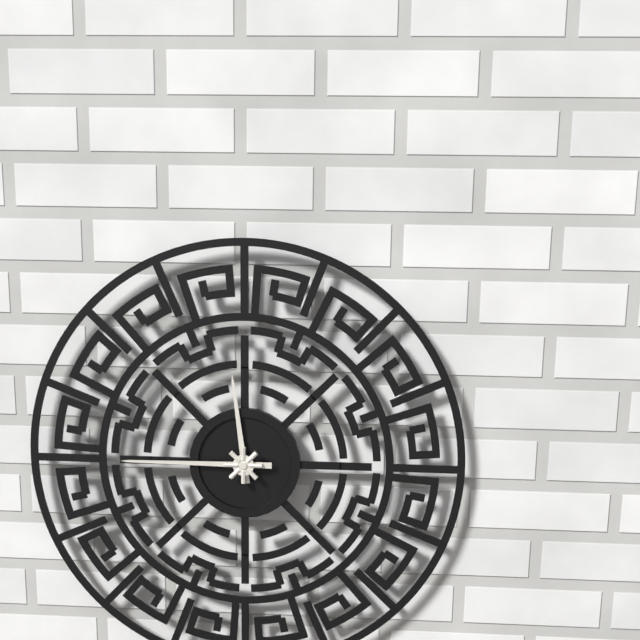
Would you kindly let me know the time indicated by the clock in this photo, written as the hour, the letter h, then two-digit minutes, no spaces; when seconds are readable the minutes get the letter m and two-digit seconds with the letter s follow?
11h45
